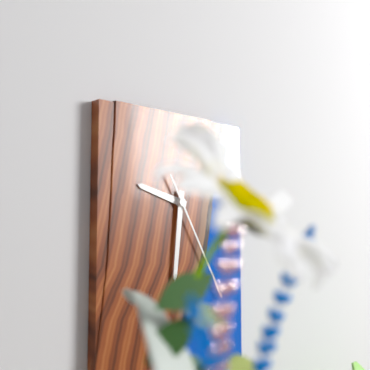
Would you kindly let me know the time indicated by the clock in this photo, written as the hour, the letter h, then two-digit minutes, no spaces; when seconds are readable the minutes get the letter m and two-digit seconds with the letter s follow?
9h31m25s
